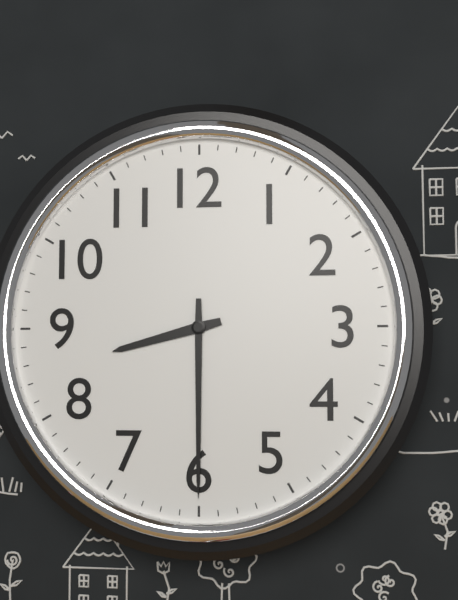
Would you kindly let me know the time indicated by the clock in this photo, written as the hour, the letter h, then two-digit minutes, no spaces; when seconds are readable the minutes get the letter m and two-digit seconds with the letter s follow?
8h30
